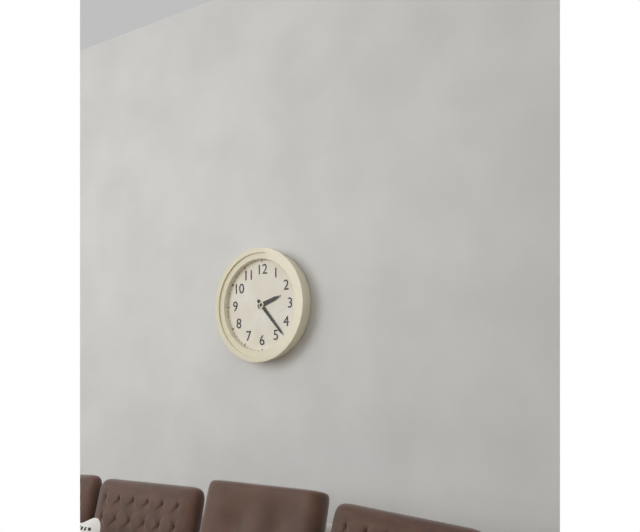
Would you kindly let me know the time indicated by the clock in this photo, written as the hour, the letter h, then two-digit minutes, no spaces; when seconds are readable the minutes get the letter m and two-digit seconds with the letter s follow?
2h23
